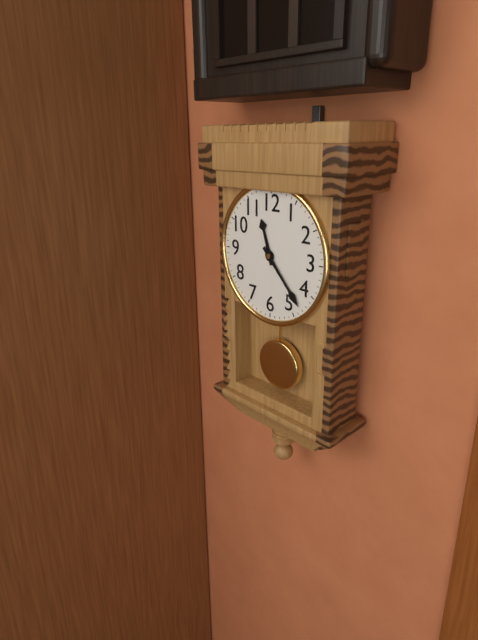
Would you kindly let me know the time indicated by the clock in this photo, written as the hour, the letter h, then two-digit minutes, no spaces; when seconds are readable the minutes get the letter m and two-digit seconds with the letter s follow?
11h23
